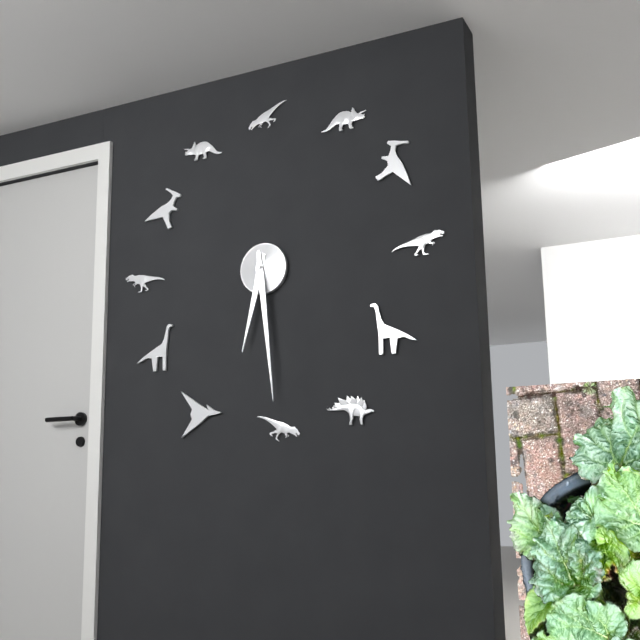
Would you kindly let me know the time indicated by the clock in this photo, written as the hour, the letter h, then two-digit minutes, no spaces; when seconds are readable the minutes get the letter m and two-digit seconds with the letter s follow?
6h29
